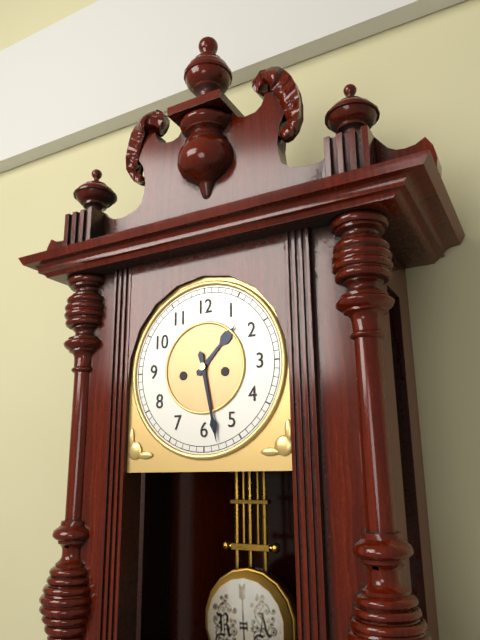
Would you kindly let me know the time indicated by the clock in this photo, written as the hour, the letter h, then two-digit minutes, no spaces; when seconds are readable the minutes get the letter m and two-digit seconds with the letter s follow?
1h28
